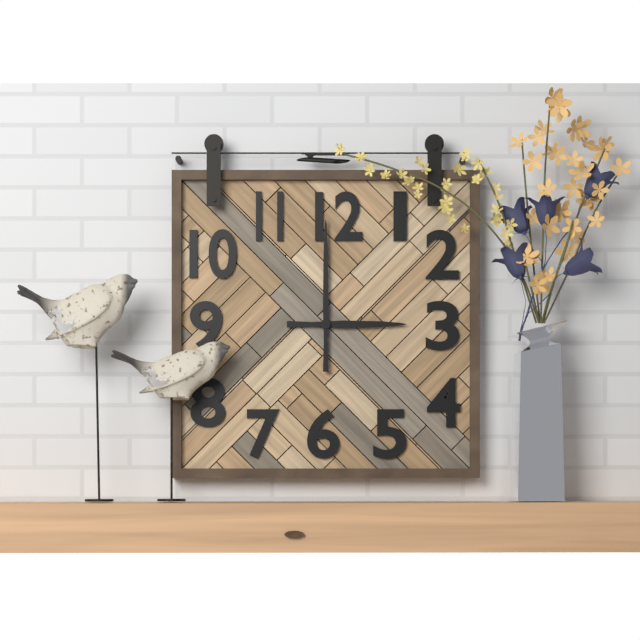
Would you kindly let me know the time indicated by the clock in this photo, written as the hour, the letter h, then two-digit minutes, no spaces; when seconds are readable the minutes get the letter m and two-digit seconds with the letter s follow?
3h00
